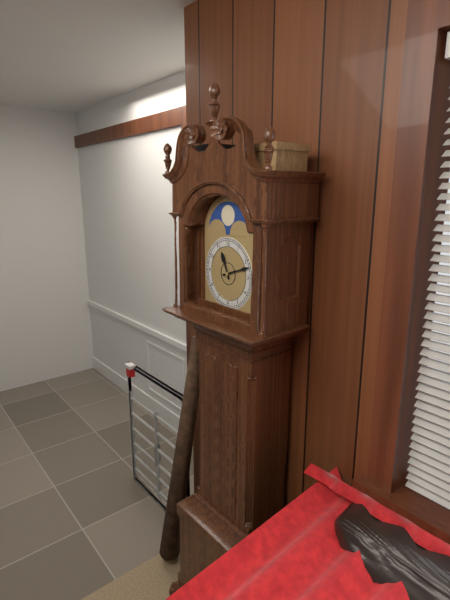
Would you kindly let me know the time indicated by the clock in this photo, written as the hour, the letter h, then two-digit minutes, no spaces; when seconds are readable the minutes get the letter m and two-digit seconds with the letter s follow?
11h12
